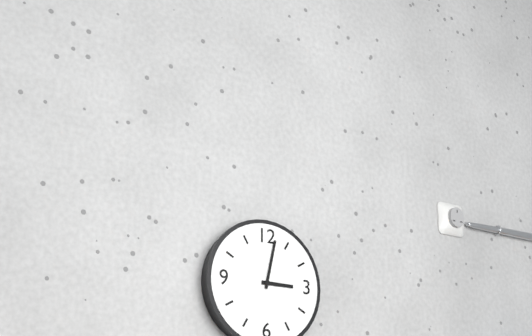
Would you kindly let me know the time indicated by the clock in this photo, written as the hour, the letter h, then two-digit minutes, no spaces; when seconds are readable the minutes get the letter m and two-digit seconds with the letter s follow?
3h02
